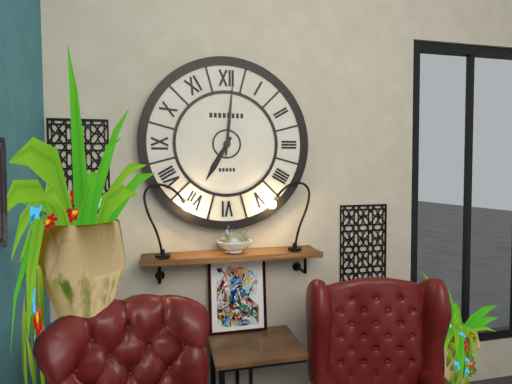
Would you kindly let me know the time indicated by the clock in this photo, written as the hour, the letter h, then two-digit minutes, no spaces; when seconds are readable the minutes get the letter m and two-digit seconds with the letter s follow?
7h01
